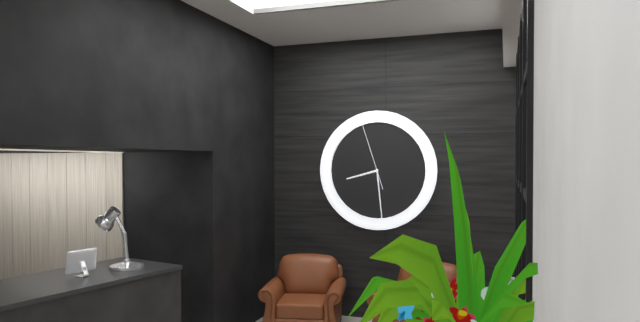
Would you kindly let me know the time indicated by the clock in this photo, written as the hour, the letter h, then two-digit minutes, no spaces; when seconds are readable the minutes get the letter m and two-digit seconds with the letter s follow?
8h29m57s
